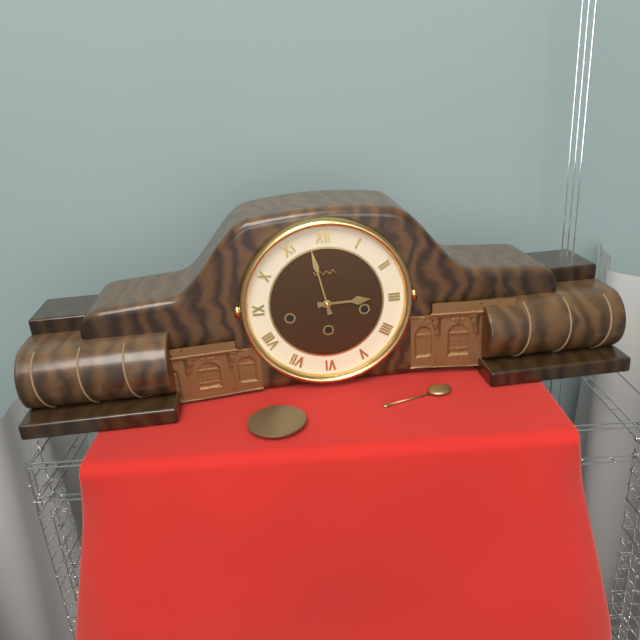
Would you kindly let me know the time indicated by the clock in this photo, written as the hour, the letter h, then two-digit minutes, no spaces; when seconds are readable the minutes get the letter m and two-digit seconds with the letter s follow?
2h58
